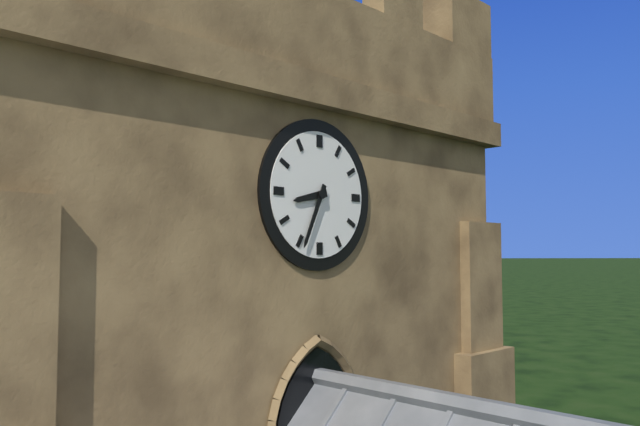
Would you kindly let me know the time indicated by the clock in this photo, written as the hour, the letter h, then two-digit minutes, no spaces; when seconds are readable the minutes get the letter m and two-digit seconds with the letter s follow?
8h34
